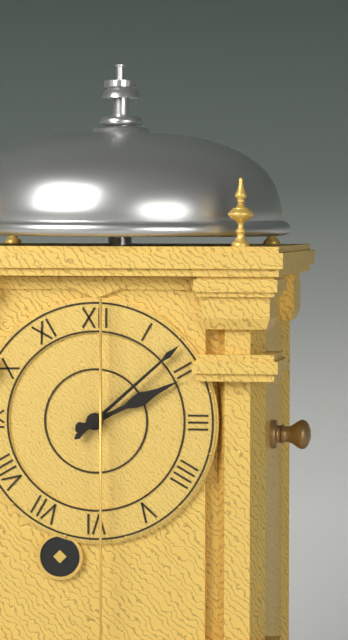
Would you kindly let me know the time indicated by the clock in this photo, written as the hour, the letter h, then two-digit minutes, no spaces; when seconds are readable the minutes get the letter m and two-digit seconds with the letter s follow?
2h08
